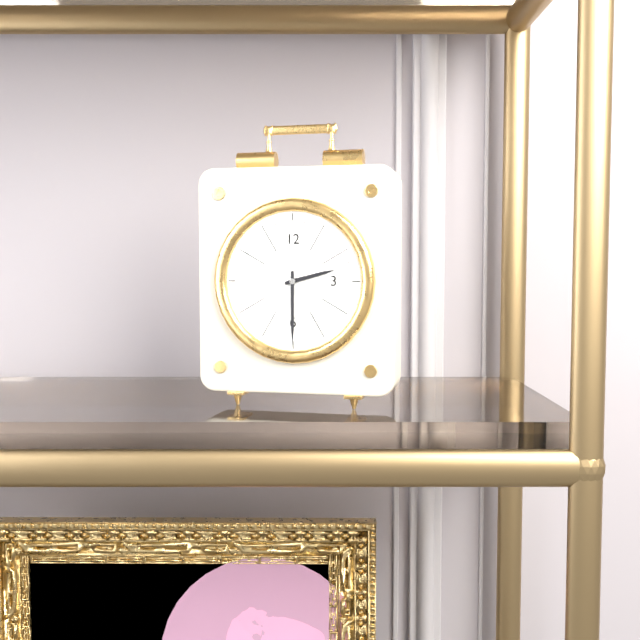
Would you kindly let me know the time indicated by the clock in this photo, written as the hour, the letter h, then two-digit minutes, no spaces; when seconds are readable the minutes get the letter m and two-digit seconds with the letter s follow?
2h30
